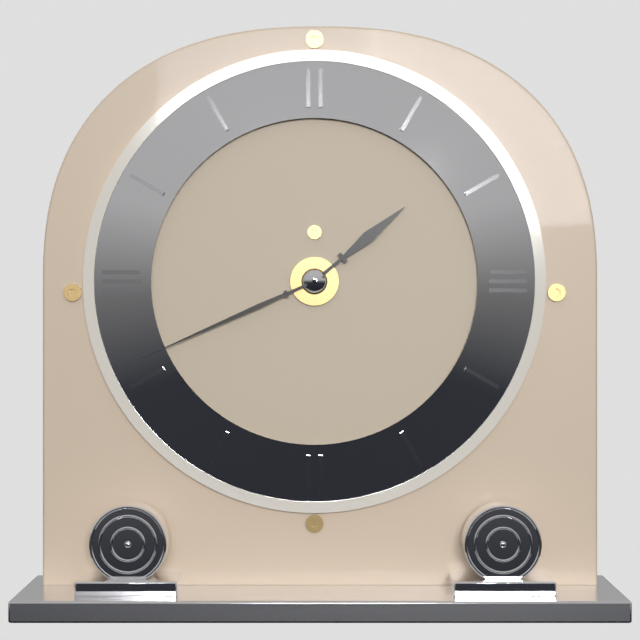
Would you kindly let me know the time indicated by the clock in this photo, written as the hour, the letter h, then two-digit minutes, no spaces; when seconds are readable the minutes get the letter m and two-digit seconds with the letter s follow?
1h41
